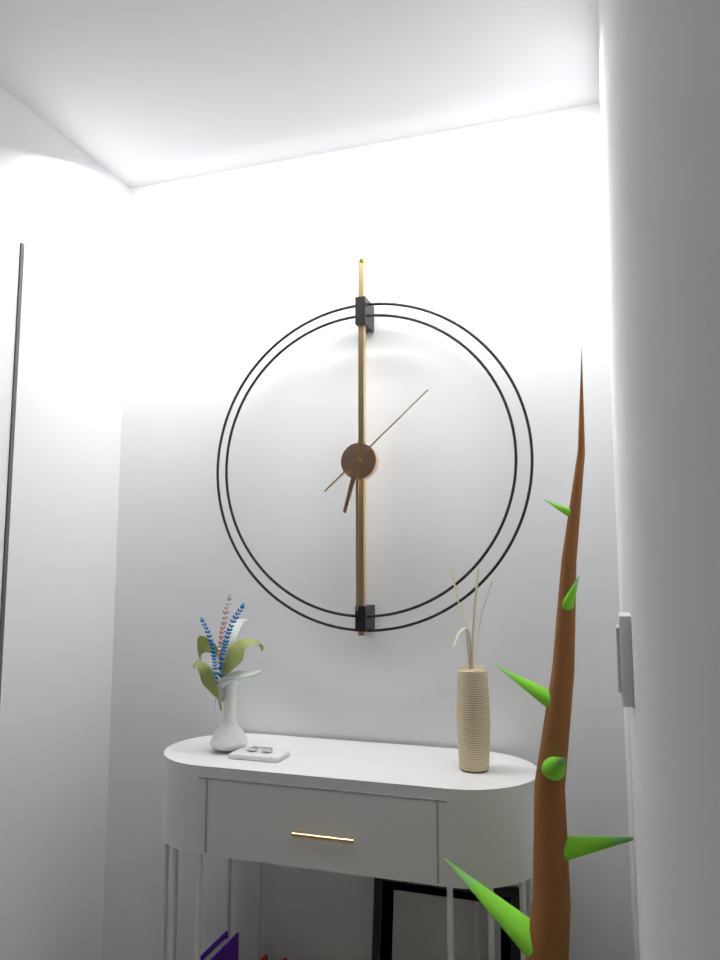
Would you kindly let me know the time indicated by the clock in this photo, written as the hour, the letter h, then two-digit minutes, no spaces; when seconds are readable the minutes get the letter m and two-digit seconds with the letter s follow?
6h30m08s
